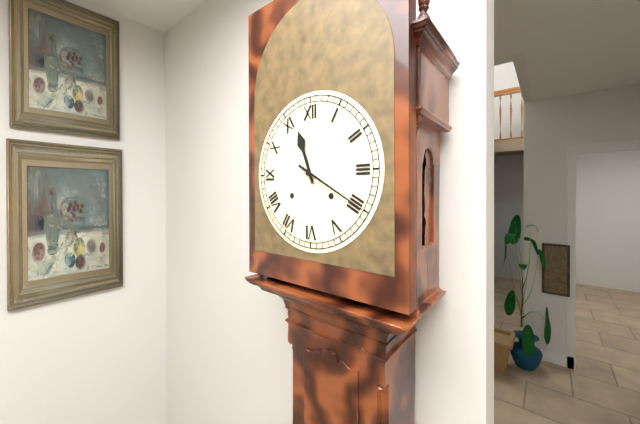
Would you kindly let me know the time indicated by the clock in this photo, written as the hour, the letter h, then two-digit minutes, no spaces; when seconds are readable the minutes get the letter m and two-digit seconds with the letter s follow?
11h20
